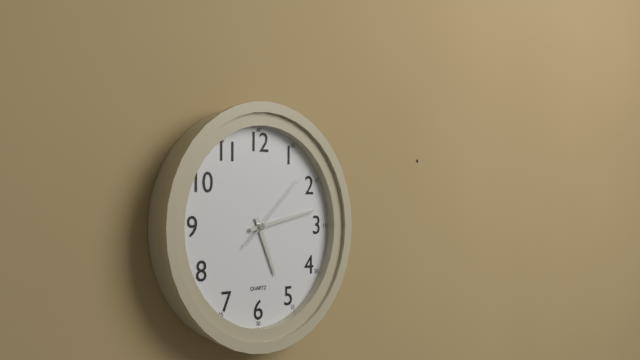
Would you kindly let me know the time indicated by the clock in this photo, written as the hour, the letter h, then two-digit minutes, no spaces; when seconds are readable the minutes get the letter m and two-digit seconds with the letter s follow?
5h13m08s
